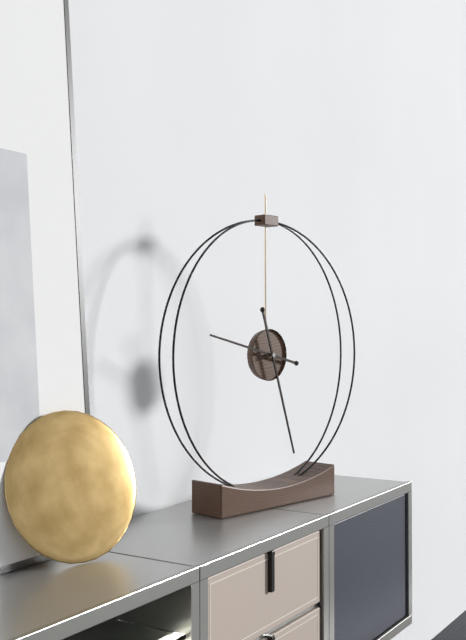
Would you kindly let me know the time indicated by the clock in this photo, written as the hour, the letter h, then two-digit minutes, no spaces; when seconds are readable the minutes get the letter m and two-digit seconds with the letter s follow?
9h27
